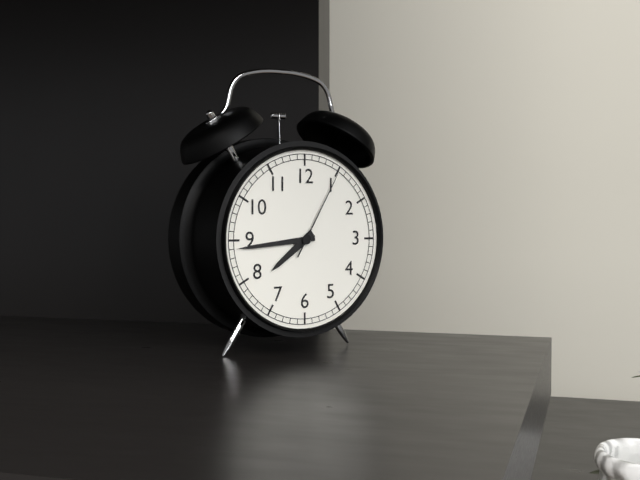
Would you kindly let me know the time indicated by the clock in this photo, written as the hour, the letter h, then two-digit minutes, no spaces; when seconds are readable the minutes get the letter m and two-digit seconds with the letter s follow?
7h44m05s
